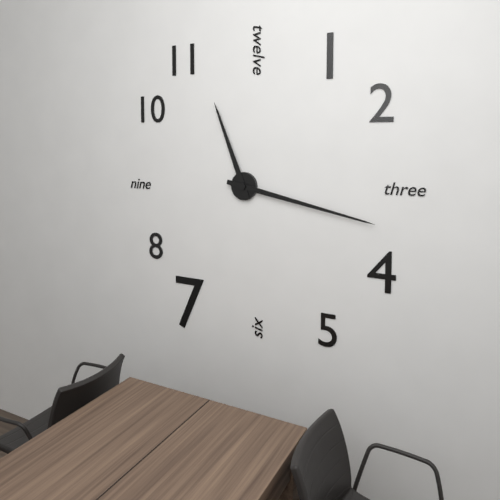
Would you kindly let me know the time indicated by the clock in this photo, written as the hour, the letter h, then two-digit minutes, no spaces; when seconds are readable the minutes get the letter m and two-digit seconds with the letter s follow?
11h17
